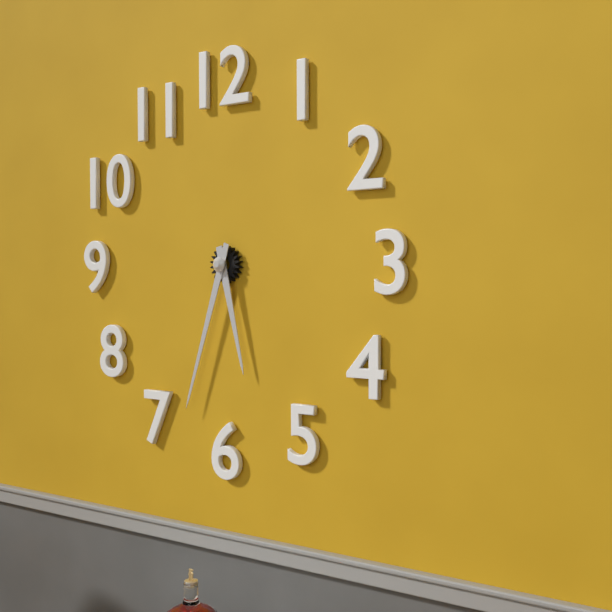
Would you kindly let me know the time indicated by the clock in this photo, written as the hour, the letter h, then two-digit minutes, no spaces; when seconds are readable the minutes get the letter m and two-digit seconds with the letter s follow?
5h33
